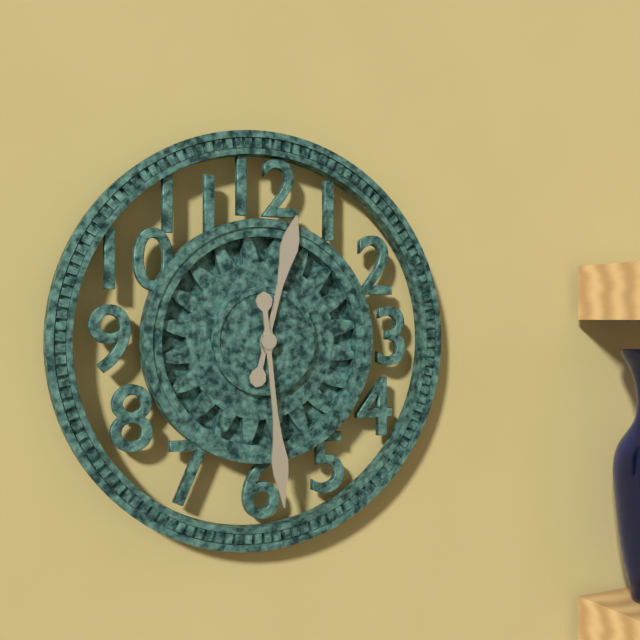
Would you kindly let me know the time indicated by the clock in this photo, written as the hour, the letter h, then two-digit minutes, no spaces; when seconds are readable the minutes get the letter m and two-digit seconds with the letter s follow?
12h29
